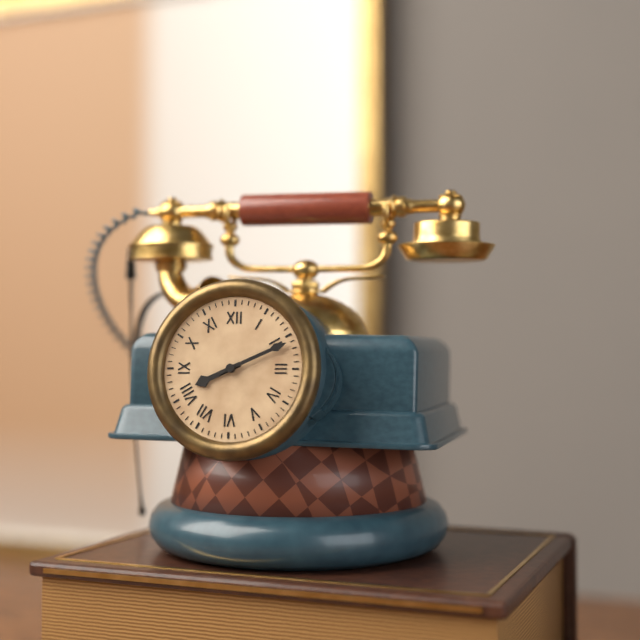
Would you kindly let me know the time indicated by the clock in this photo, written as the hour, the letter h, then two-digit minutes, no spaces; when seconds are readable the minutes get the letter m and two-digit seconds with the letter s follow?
8h11
